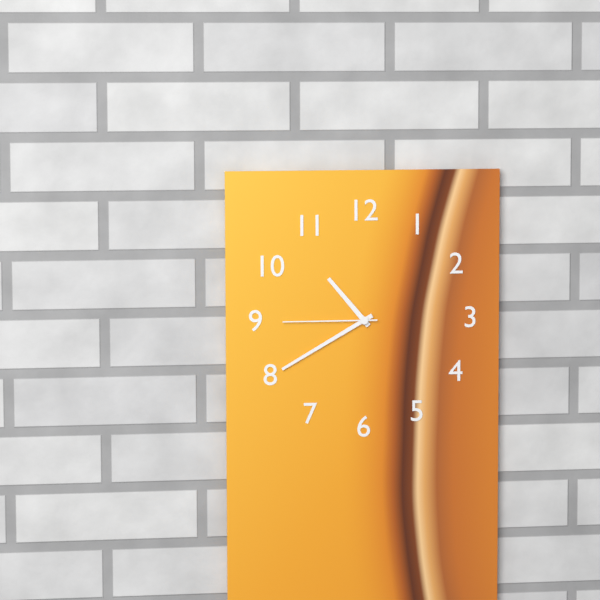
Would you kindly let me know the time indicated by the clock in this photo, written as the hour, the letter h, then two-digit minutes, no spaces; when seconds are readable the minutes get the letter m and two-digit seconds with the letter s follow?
10h40m45s
